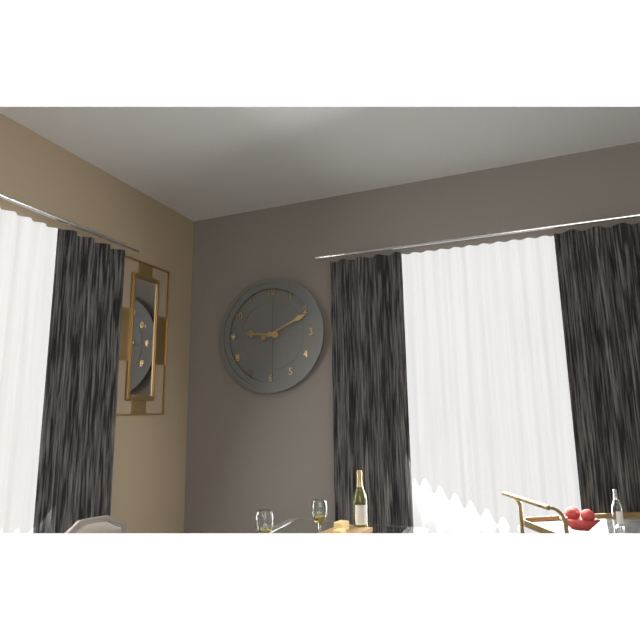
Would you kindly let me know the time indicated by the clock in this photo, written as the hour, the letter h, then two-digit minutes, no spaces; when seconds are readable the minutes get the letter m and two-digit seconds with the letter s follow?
9h11
